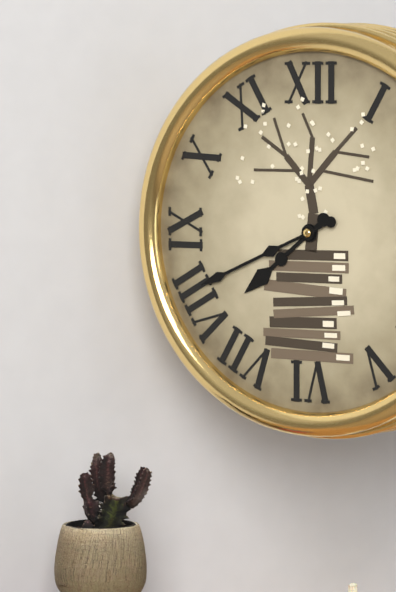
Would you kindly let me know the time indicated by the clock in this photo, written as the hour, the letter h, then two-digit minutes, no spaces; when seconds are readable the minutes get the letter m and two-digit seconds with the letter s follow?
7h41
